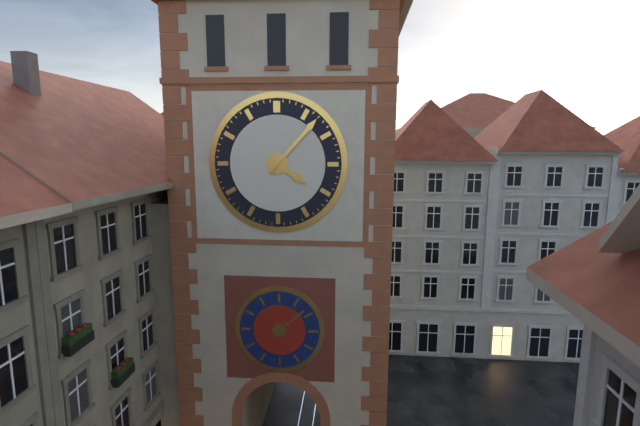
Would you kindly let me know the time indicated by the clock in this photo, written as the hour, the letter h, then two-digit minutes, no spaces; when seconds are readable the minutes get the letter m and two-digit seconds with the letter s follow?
4h07
